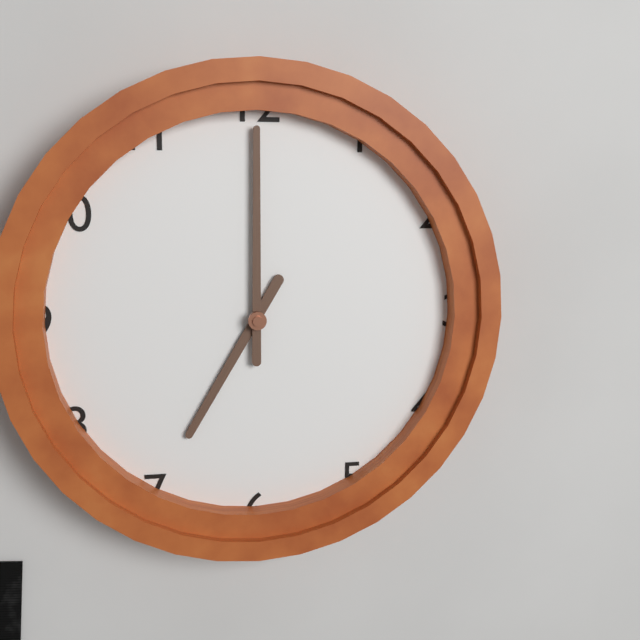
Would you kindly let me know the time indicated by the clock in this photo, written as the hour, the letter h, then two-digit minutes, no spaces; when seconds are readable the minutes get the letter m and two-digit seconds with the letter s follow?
7h00
